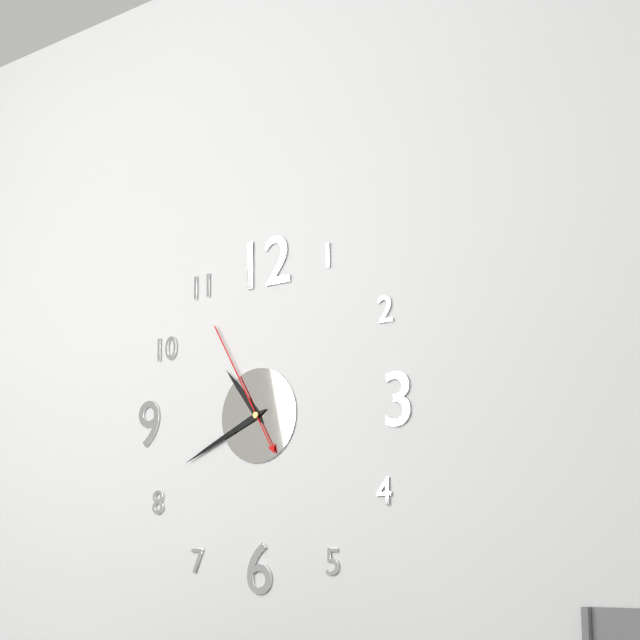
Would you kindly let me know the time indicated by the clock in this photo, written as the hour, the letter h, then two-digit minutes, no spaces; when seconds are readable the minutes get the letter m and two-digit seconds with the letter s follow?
10h41m55s
